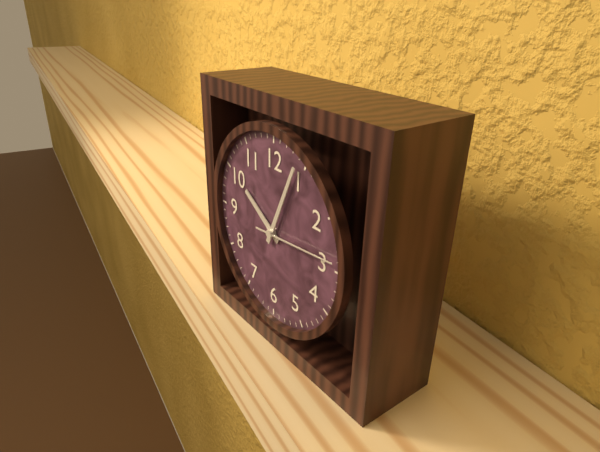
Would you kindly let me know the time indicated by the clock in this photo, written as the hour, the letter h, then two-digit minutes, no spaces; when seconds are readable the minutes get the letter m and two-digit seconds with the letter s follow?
10h04m14s
